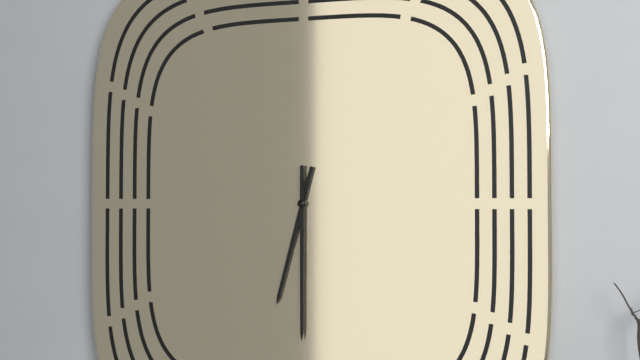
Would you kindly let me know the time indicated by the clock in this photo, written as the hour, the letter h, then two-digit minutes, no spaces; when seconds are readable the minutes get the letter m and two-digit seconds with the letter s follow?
6h30
